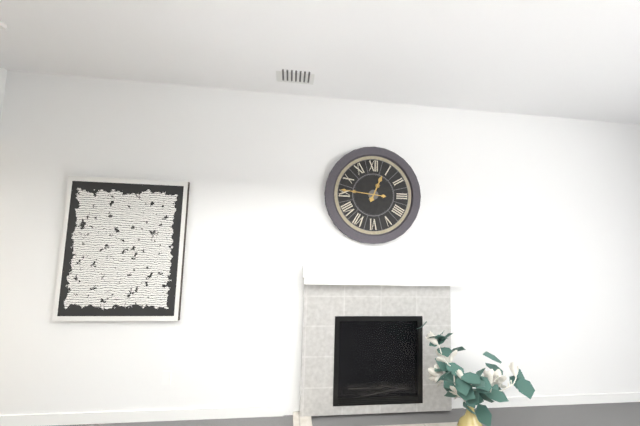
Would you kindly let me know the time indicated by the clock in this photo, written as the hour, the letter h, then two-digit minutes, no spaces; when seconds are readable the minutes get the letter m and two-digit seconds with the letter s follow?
12h46
